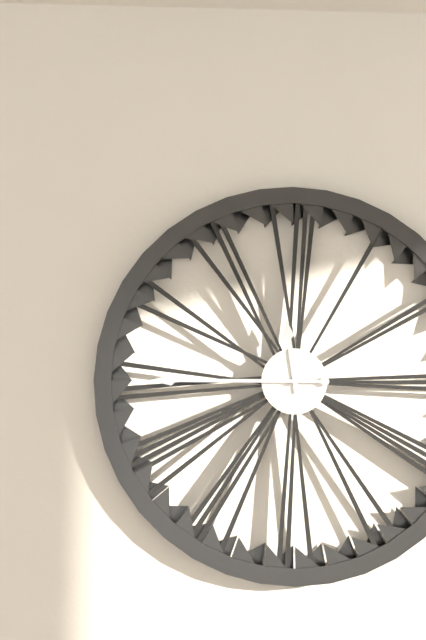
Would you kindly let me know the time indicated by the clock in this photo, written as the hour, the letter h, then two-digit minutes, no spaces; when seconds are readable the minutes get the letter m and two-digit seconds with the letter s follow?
11h45
